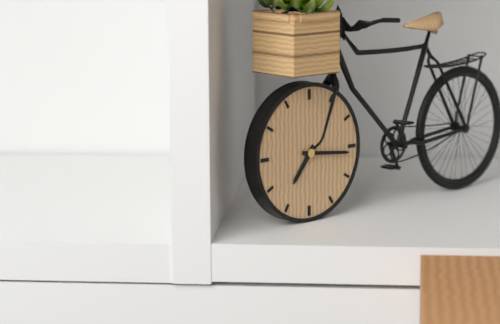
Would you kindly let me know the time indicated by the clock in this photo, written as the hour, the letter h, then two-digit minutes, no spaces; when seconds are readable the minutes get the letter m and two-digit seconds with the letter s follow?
7h16
